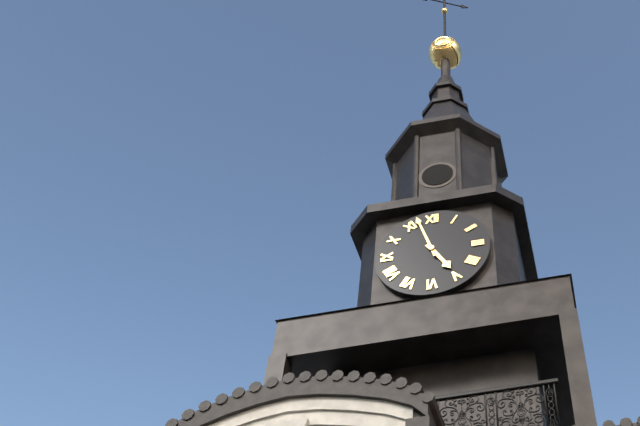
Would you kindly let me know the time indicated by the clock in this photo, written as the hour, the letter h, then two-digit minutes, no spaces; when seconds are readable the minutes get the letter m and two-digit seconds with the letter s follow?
4h57
